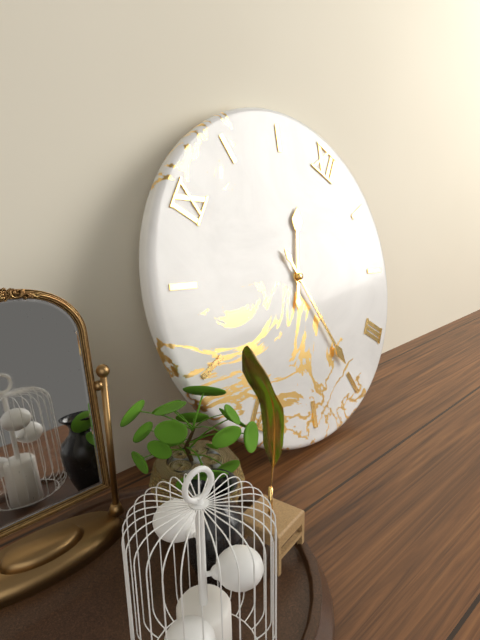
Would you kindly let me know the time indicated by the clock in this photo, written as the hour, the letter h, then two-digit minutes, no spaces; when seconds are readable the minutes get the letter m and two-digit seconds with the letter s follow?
11h20
